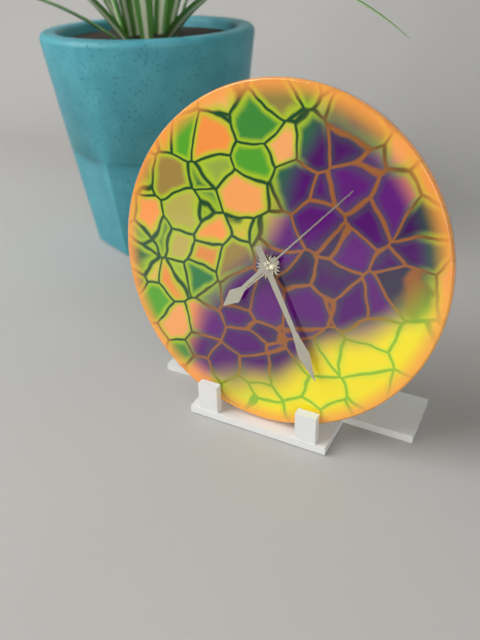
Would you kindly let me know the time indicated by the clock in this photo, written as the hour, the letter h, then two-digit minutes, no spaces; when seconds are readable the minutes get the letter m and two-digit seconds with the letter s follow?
7h25m07s
